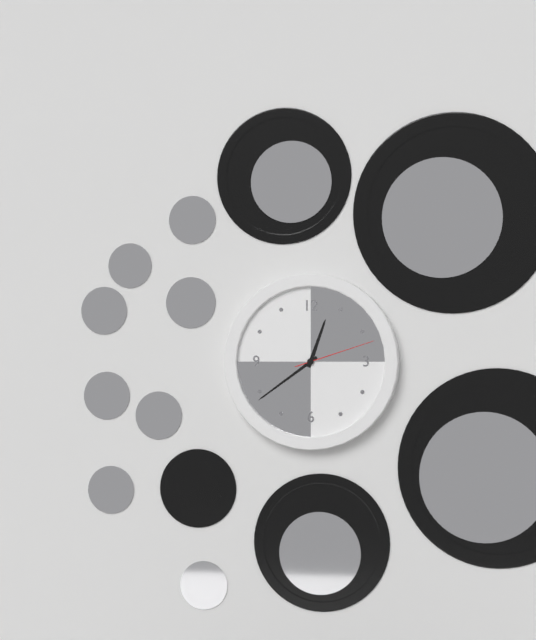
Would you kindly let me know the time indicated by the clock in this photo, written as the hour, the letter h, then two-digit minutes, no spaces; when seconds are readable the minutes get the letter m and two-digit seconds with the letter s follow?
12h39m12s
